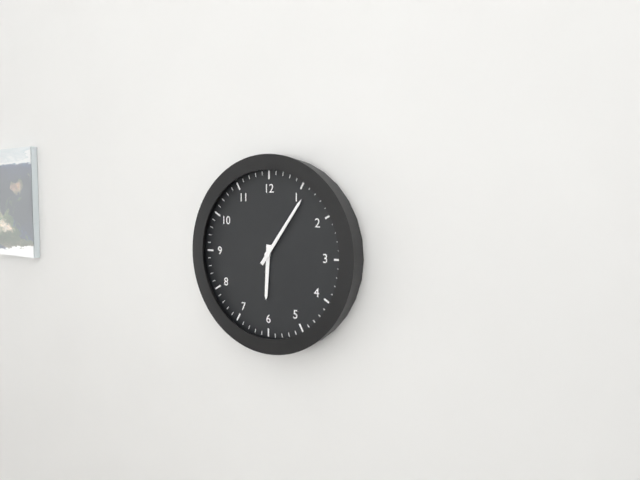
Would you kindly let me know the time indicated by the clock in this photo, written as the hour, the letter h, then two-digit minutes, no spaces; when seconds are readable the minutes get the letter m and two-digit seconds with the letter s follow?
6h06
